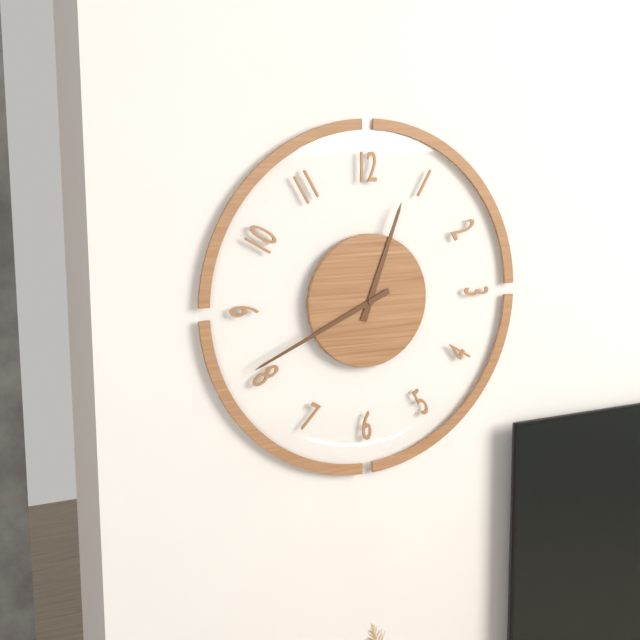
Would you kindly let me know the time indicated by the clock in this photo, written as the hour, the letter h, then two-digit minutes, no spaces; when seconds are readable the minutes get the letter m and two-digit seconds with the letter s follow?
12h41
